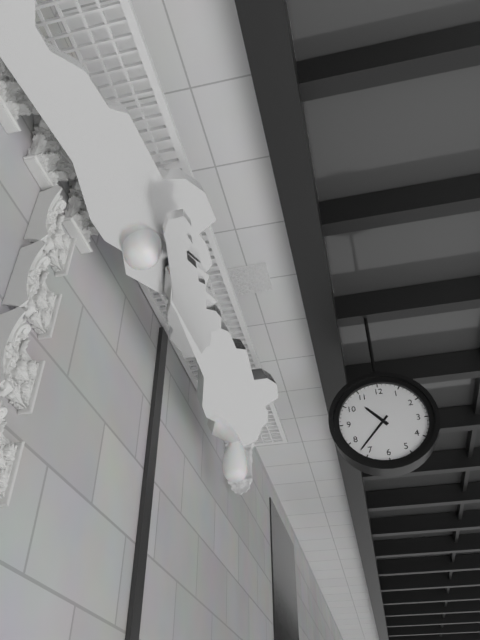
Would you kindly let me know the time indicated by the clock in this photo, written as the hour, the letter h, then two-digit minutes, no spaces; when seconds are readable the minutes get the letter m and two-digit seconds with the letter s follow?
10h37
